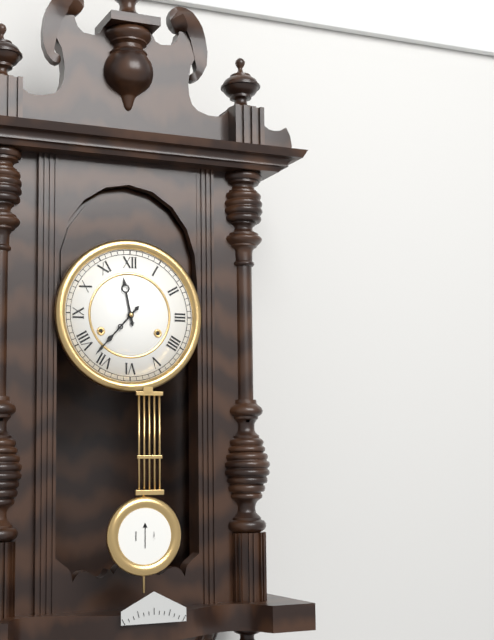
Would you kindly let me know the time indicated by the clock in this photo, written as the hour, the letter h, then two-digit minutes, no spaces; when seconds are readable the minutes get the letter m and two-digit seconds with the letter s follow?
11h37
